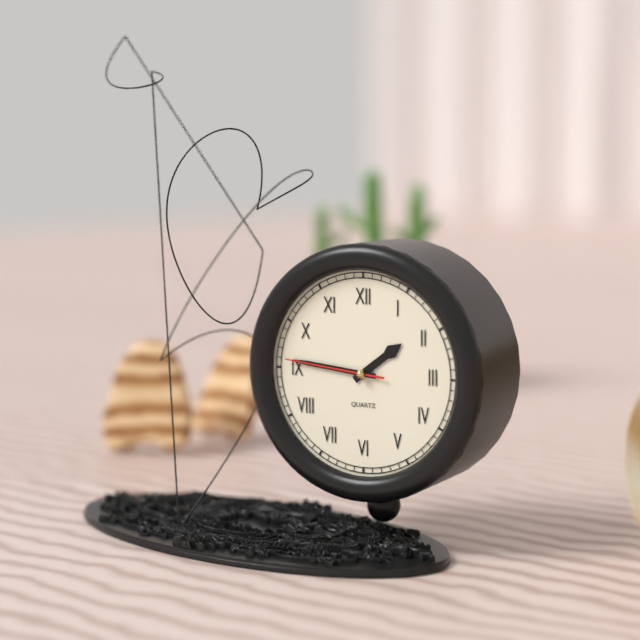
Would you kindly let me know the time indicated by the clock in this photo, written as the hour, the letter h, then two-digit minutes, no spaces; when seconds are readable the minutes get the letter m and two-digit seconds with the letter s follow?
1h46m46s
